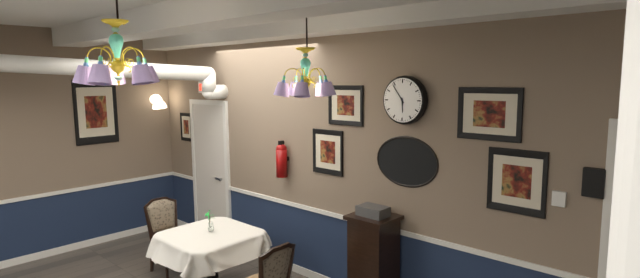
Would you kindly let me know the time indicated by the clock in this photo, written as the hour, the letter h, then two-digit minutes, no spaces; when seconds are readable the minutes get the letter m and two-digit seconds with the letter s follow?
5h54
